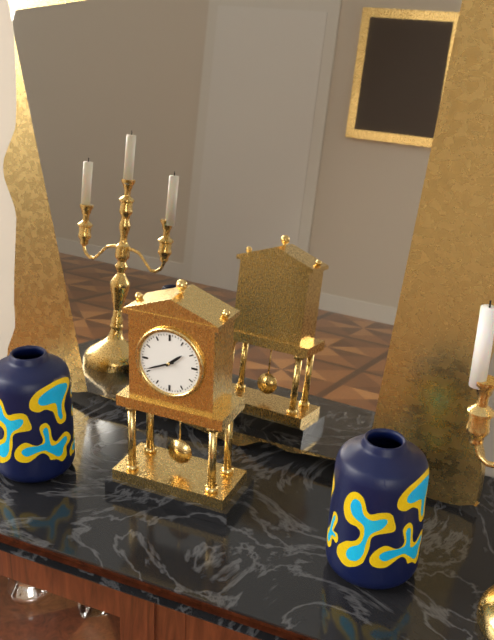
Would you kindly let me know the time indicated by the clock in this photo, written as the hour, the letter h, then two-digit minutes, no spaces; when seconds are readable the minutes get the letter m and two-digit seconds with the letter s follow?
1h41
